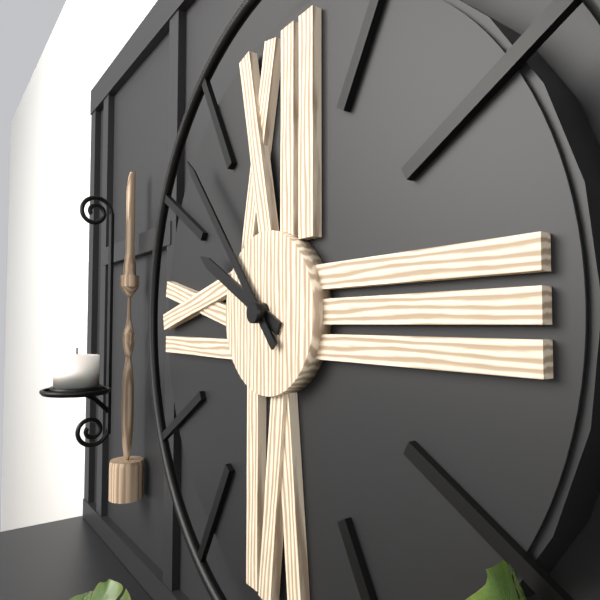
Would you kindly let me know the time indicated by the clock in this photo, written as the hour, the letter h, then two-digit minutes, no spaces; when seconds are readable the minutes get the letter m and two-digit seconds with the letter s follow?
9h53
